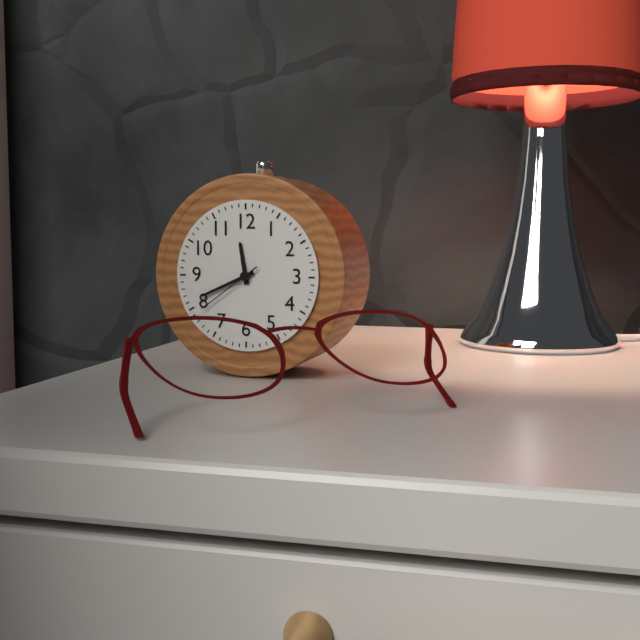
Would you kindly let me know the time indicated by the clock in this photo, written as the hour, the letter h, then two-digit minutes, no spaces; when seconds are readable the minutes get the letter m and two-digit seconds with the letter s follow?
11h41m39s
